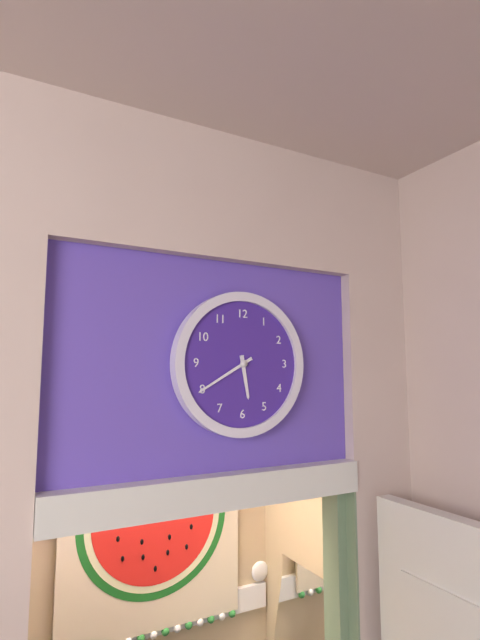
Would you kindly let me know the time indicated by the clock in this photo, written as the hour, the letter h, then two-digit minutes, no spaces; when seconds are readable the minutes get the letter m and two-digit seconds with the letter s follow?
5h40
